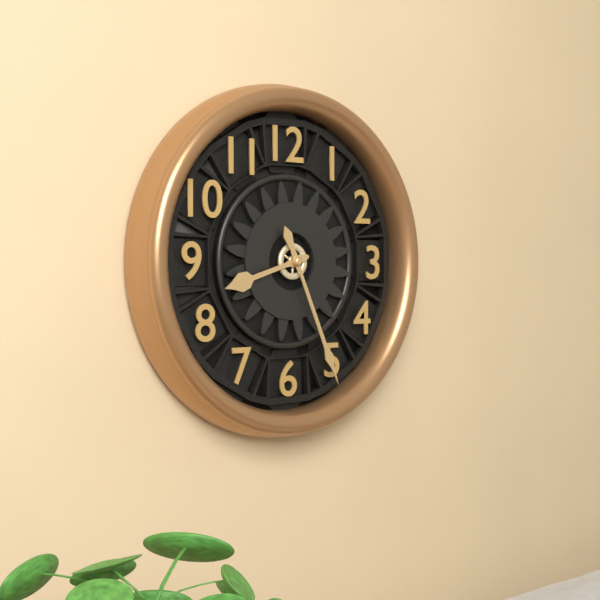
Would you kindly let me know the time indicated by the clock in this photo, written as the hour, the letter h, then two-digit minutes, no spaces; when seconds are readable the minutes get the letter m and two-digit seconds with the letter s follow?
8h26
